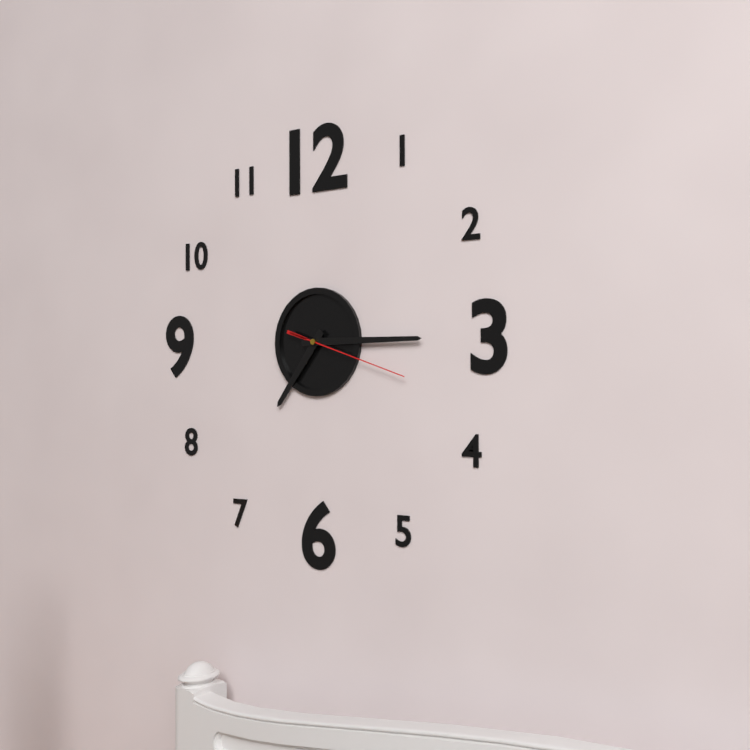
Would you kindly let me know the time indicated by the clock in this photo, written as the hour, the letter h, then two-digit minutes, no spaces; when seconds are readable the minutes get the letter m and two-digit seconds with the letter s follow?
7h15m18s
